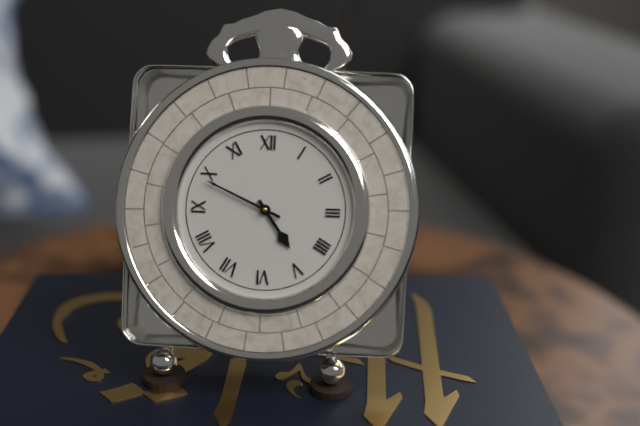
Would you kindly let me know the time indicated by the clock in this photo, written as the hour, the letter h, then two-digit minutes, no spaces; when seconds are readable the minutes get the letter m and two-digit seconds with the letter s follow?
4h49
